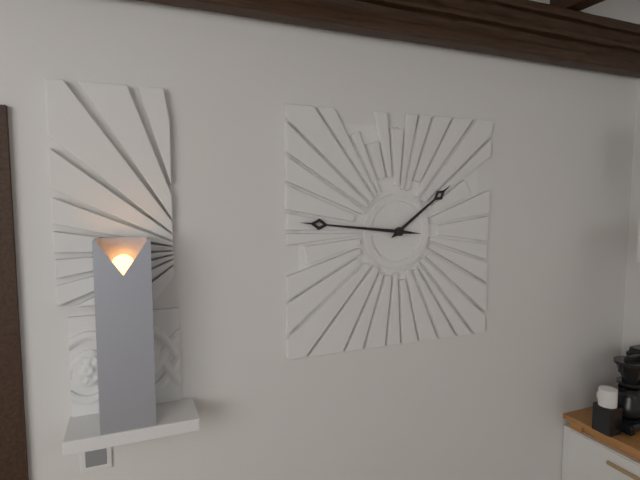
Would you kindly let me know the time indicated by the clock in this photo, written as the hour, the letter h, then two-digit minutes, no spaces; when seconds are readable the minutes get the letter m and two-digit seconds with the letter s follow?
1h46
